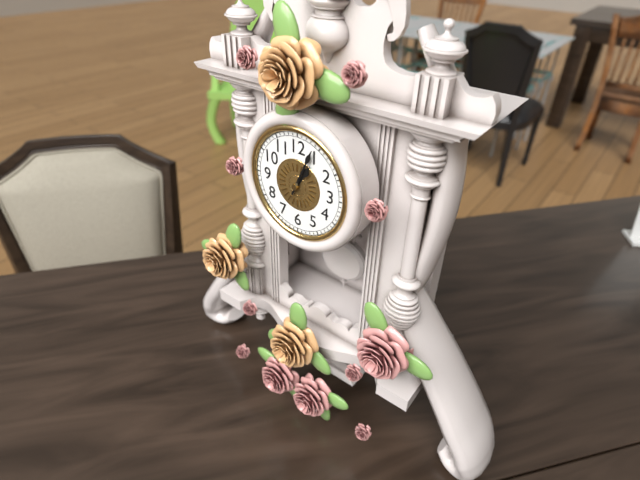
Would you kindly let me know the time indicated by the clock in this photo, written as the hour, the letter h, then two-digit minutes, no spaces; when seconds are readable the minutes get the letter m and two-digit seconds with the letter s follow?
1h04
